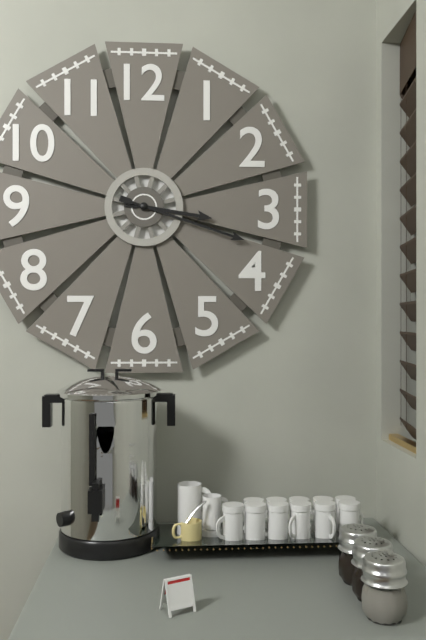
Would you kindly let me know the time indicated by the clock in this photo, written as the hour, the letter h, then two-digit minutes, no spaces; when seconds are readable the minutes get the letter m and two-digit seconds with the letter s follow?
3h18
